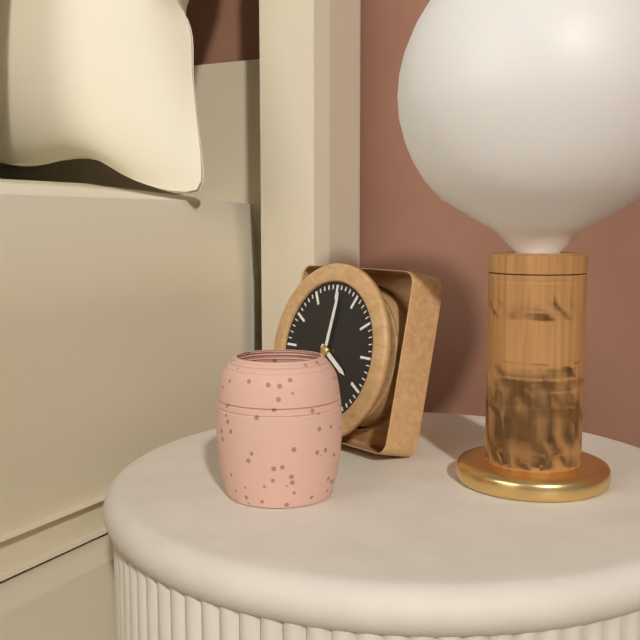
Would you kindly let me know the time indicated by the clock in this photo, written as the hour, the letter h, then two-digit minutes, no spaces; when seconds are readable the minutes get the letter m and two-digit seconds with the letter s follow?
4h01
